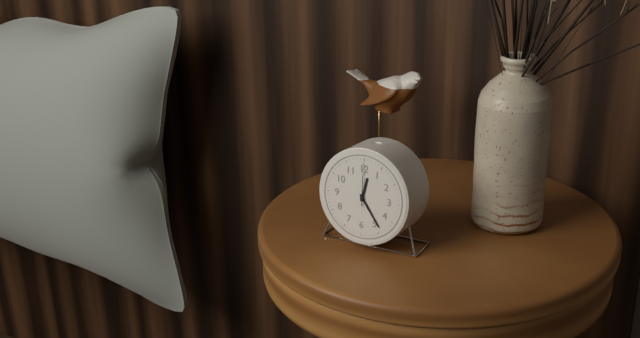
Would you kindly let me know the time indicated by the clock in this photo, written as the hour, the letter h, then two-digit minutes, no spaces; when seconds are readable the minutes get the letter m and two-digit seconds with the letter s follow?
12h24
